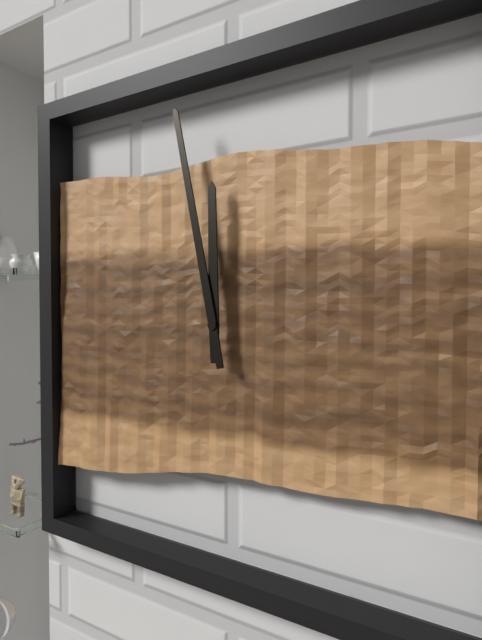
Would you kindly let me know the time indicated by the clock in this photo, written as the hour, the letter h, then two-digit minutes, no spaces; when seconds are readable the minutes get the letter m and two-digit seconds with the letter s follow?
11h58
